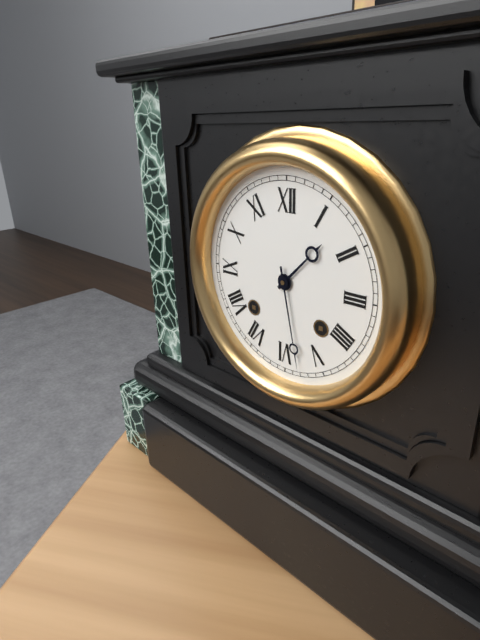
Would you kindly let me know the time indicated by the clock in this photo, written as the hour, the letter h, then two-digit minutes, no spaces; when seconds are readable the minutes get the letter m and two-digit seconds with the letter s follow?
1h28
